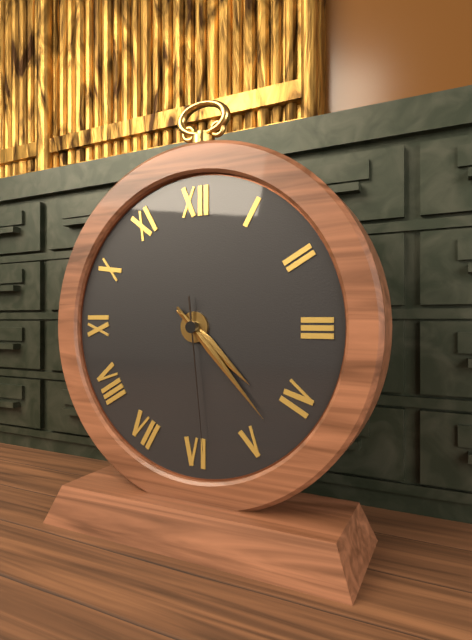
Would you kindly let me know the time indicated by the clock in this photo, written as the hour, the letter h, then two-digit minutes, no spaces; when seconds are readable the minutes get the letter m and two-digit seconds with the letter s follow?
4h23m29s
